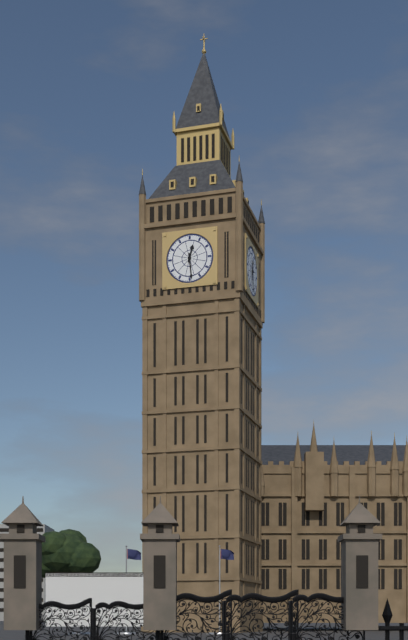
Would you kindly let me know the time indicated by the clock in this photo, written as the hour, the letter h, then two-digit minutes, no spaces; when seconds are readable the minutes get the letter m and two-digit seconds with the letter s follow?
12h29
